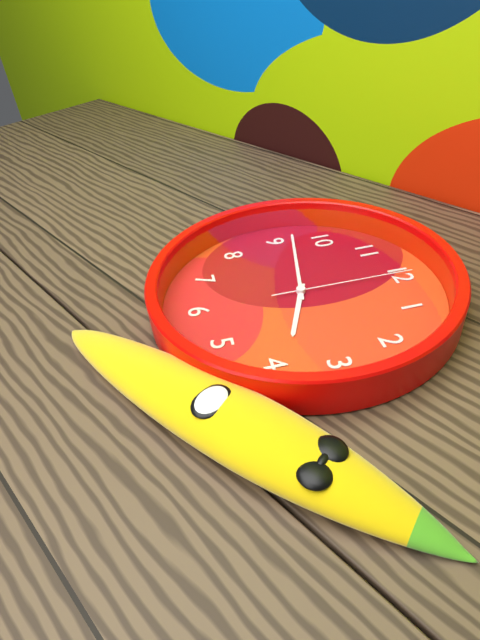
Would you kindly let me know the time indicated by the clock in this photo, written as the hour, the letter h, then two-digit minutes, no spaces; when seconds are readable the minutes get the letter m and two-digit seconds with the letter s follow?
3h47m00s
